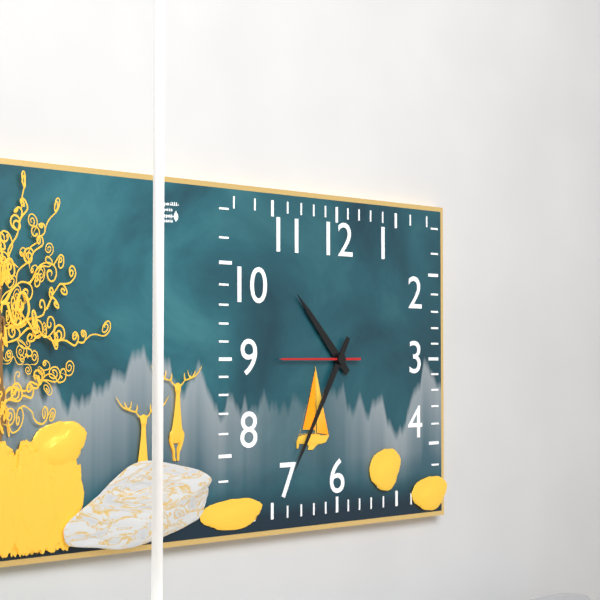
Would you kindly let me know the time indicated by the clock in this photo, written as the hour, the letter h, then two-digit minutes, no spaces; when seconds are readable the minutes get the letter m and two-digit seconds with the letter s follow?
10h35m45s
